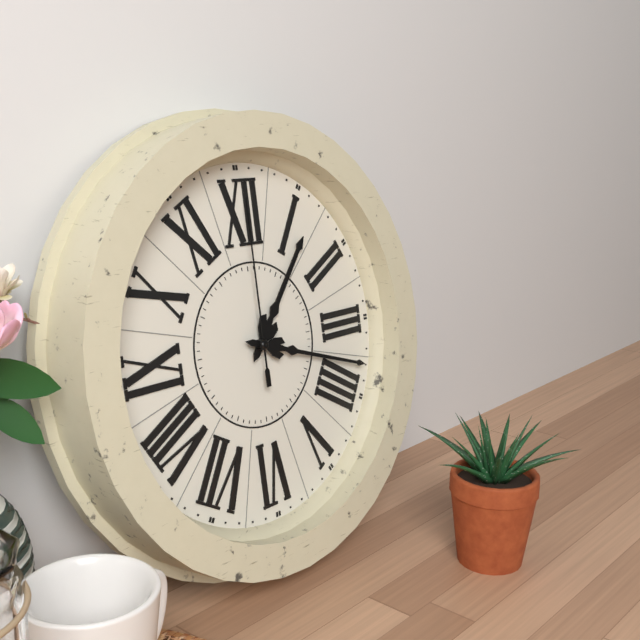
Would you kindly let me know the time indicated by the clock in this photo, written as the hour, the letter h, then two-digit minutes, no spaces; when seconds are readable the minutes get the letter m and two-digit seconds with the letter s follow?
1h18m00s
